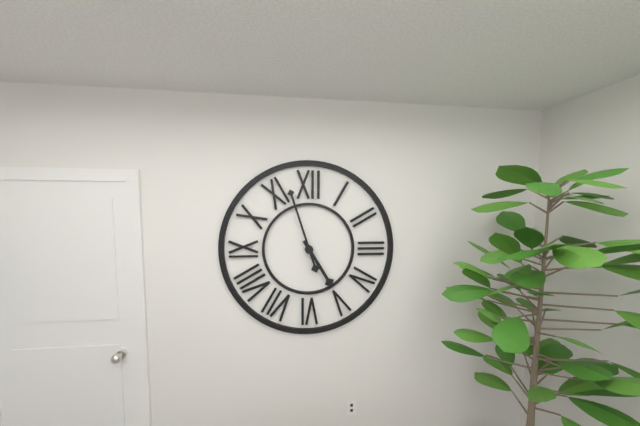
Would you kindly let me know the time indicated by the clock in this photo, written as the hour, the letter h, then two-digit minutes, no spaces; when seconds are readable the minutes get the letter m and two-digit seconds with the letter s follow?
4h57
